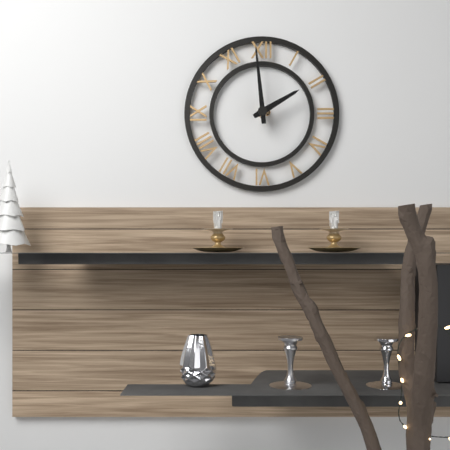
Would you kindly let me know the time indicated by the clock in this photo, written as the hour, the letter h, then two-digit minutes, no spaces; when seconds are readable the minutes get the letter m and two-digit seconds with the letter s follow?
1h59
